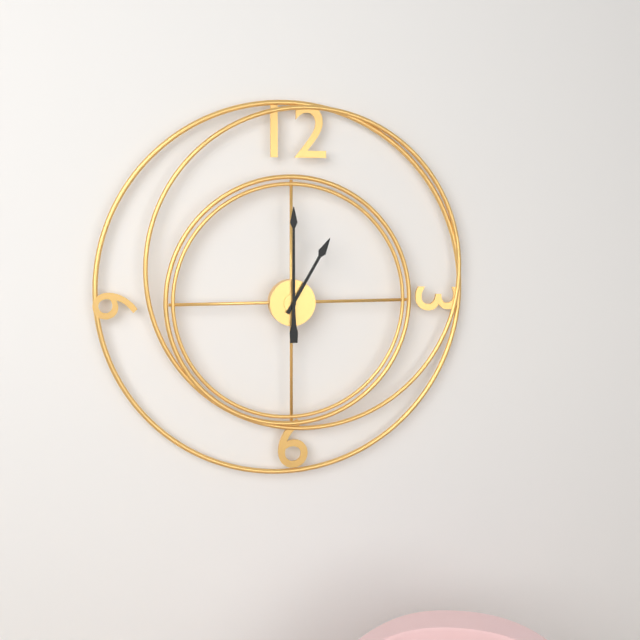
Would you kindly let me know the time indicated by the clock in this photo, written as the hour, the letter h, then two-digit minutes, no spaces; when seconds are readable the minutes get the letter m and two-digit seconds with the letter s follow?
1h00
